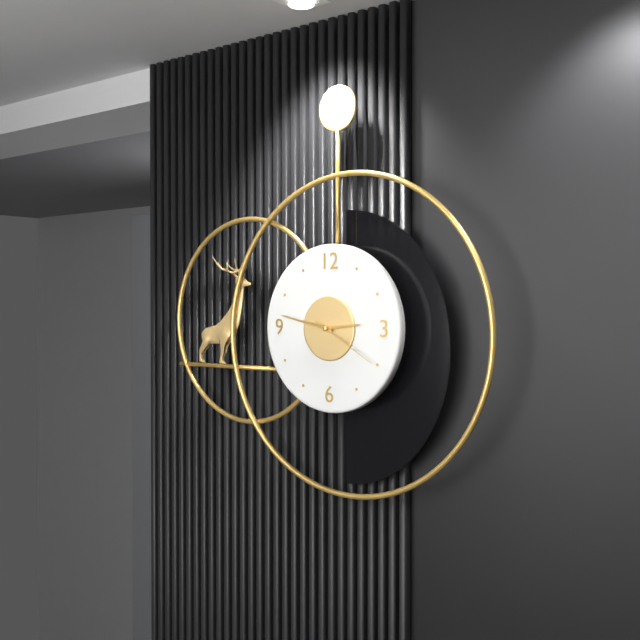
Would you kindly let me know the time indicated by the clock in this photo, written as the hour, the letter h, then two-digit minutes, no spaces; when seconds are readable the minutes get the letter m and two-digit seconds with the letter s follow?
2h47m20s
